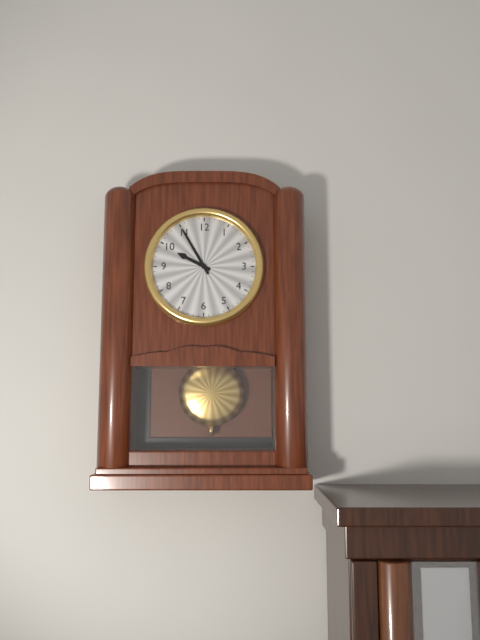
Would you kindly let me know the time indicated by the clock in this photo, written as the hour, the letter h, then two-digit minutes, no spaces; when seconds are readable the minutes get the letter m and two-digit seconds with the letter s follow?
9h55
